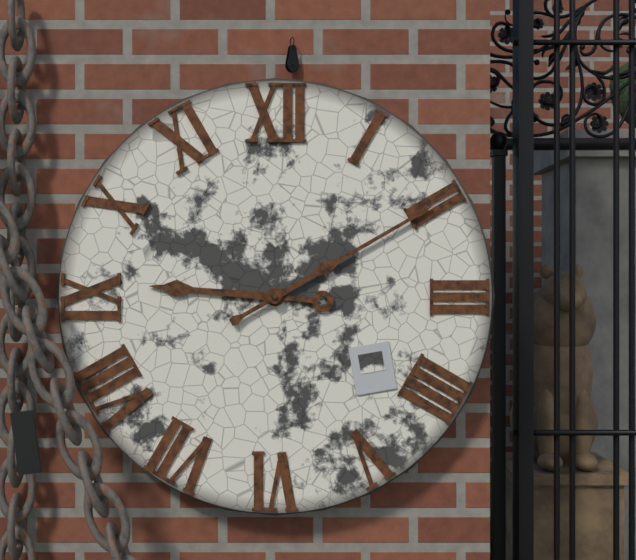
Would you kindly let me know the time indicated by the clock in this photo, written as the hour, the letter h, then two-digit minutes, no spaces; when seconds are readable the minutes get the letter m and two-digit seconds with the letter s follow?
9h10
